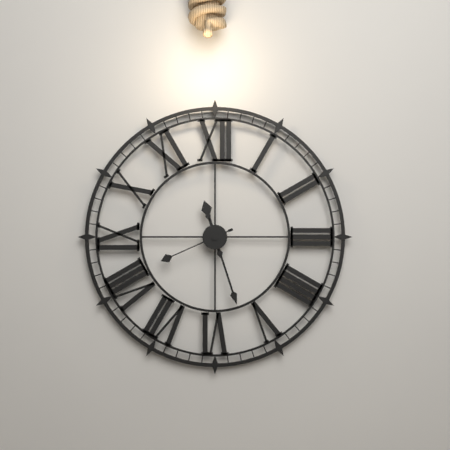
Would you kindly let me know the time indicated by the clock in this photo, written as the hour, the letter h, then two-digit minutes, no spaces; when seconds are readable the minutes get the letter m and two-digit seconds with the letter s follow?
11h27m41s
